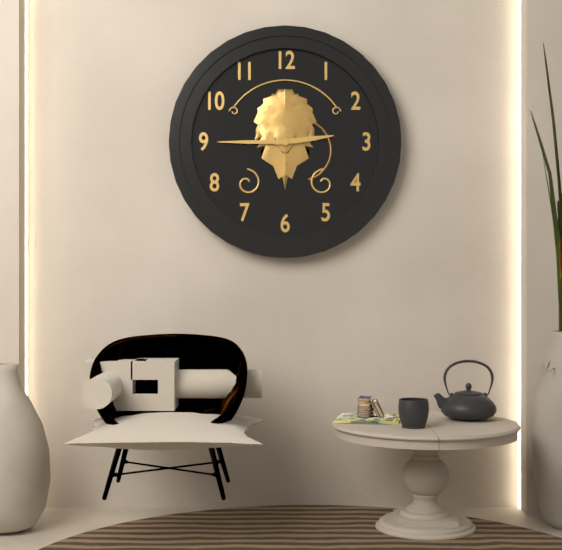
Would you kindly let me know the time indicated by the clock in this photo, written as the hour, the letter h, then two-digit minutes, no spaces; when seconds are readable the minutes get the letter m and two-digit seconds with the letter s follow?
2h45
